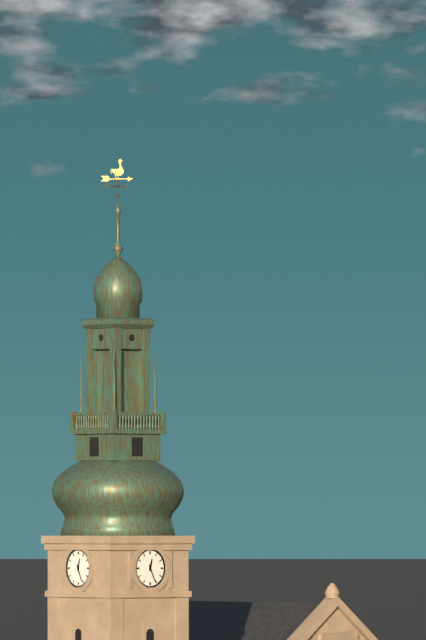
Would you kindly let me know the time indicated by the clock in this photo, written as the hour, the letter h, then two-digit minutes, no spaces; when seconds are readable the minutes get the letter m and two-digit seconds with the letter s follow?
12h26
